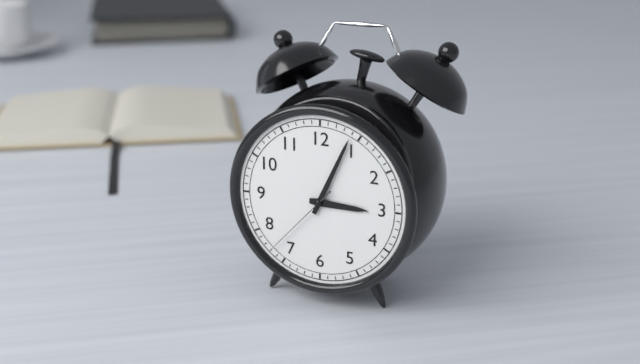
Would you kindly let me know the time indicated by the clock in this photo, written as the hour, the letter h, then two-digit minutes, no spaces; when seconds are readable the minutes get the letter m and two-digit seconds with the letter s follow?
3h04m37s
